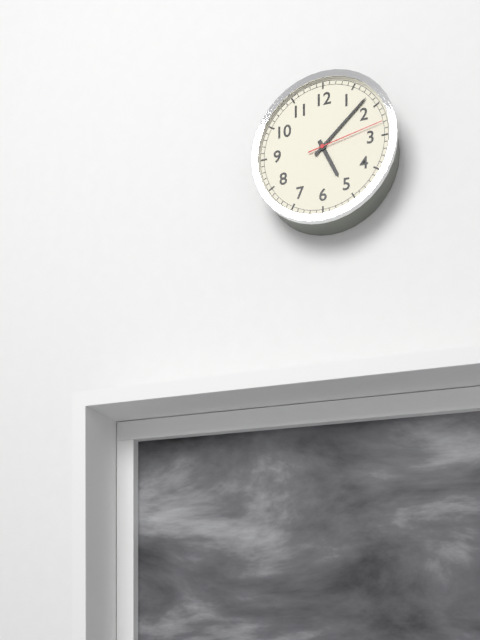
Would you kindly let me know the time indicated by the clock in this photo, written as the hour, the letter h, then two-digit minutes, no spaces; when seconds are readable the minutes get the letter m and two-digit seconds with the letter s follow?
5h08m13s
